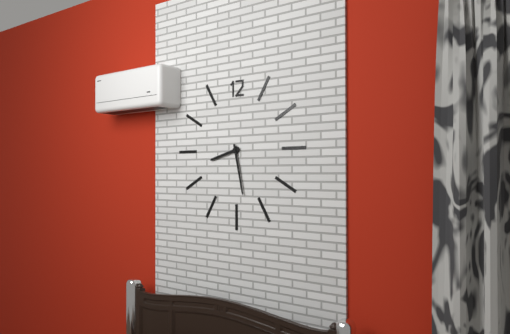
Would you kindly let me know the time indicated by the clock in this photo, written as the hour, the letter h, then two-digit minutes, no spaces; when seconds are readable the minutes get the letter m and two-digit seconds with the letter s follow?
8h28
